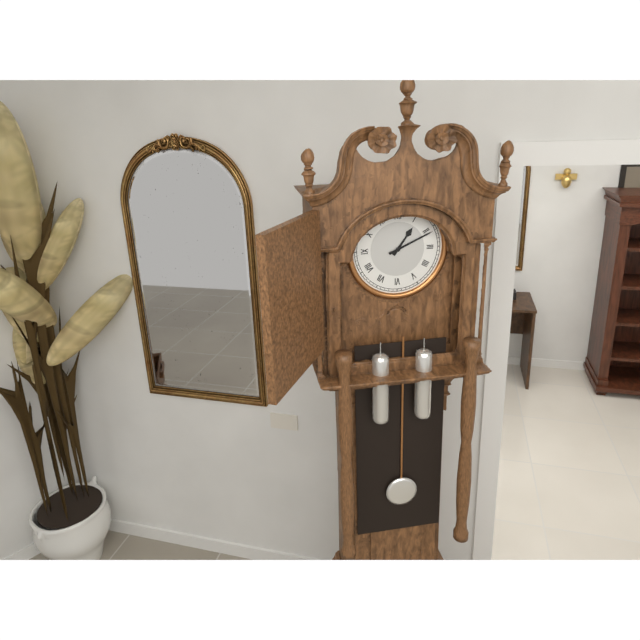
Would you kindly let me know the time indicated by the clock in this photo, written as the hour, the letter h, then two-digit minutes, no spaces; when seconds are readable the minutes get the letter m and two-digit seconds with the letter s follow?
1h11
